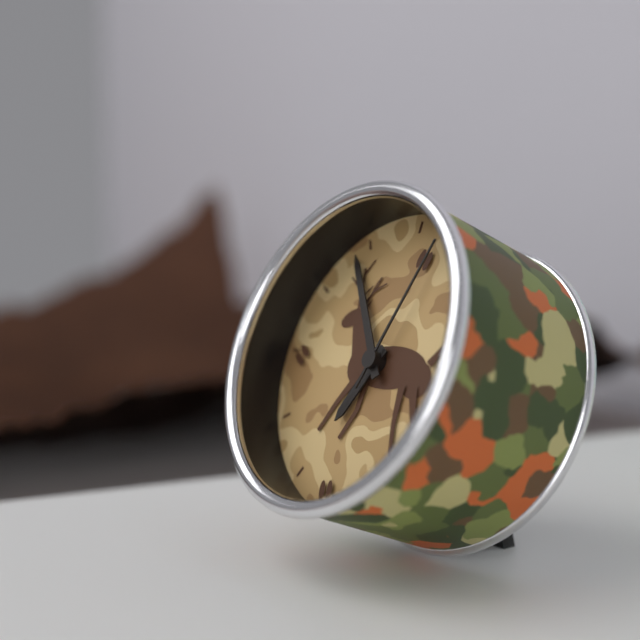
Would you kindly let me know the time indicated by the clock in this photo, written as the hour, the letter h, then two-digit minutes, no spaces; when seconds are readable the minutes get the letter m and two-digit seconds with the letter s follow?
6h54m03s
